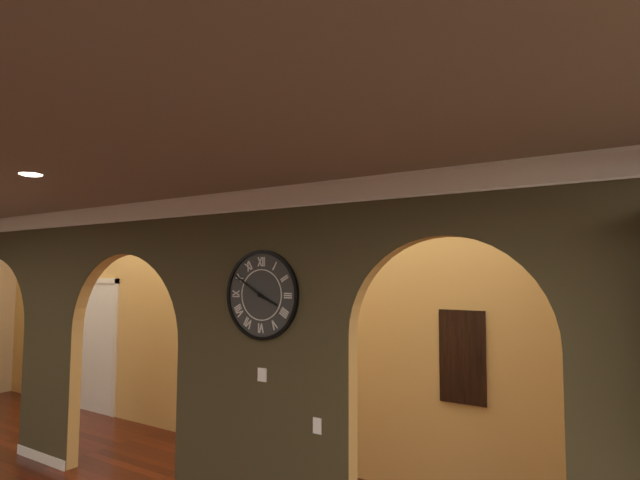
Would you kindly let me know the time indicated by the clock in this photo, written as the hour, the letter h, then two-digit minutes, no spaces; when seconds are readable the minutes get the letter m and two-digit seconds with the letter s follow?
3h50
